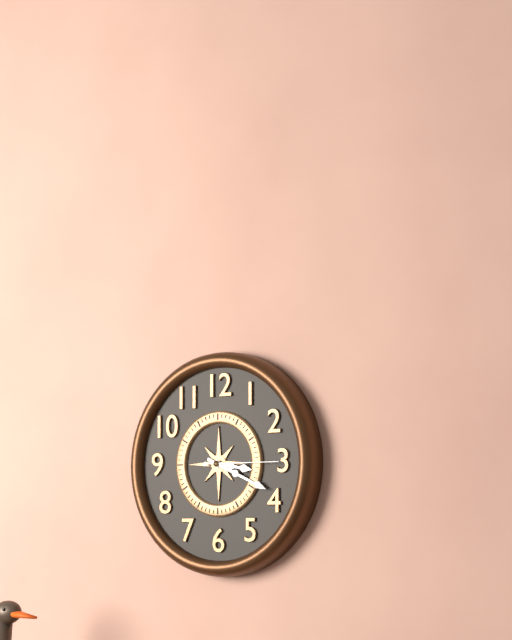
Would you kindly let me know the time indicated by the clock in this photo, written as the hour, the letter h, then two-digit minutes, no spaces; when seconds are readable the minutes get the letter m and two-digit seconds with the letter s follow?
3h19m15s
